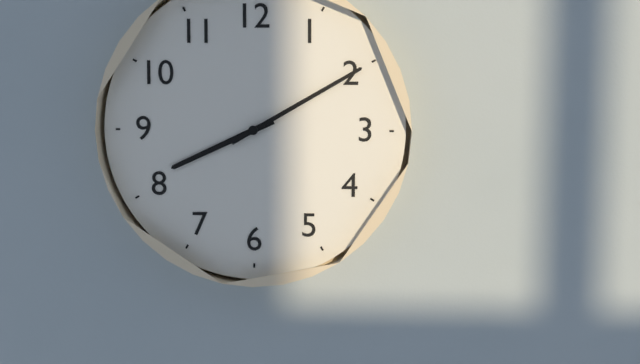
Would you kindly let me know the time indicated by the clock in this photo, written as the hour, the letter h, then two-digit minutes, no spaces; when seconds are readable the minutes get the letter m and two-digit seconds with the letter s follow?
8h10
